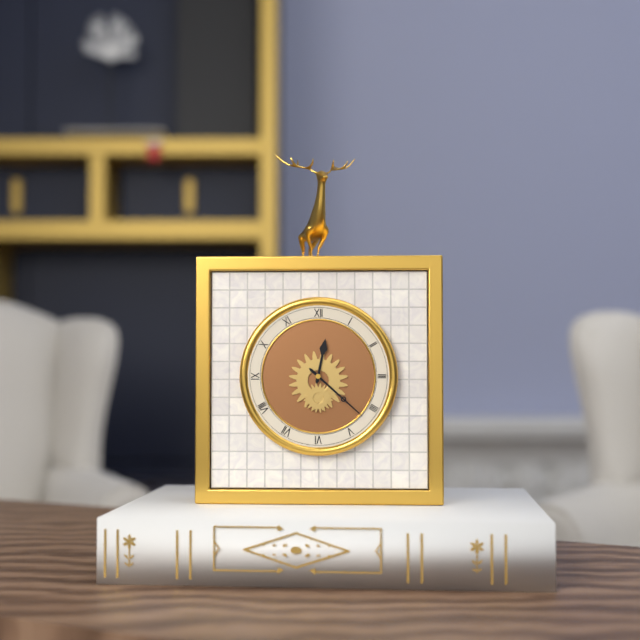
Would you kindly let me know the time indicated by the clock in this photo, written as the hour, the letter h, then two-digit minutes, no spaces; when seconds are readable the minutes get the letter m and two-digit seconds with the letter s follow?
12h22
